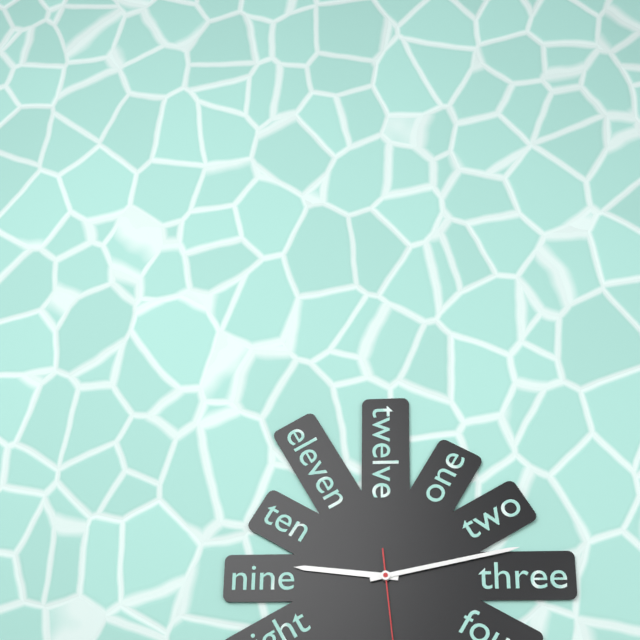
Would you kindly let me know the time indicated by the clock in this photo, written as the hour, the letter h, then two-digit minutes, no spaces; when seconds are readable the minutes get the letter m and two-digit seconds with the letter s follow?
9h13
